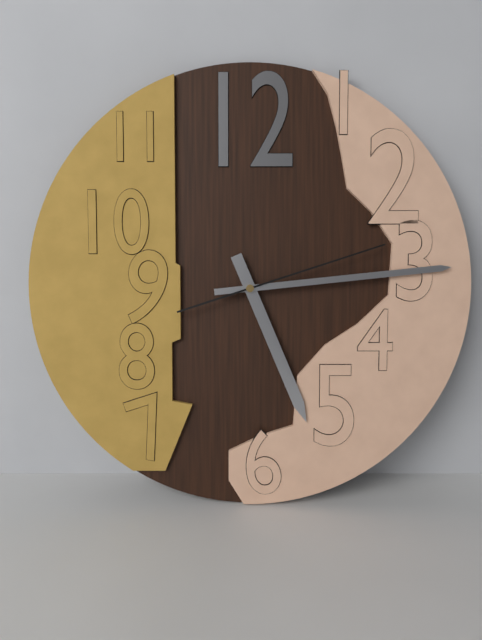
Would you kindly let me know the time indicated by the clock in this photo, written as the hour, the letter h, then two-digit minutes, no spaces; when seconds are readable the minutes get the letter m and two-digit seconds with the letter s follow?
5h14m12s
